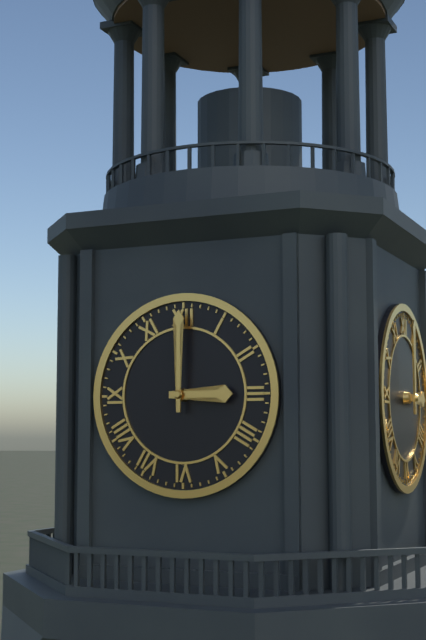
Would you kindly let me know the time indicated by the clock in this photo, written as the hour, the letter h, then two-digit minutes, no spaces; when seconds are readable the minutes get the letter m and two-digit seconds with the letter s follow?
3h00
